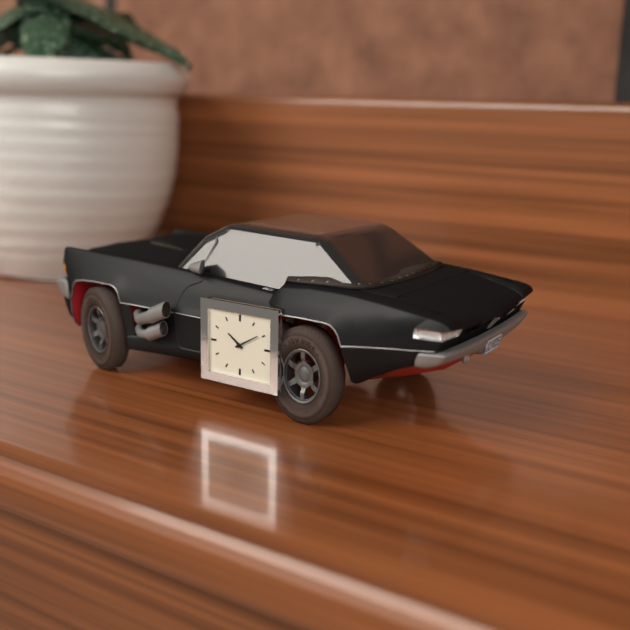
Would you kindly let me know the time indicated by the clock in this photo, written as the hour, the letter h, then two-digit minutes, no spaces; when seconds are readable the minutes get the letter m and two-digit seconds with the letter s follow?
10h10
